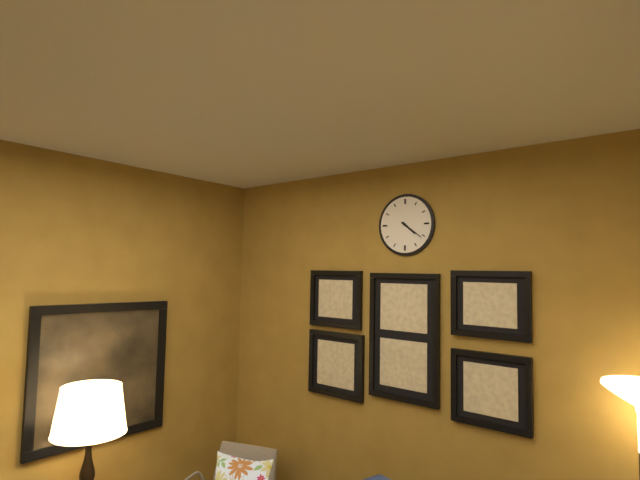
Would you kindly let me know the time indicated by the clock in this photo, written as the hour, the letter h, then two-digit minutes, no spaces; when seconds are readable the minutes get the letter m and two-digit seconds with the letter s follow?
4h21
